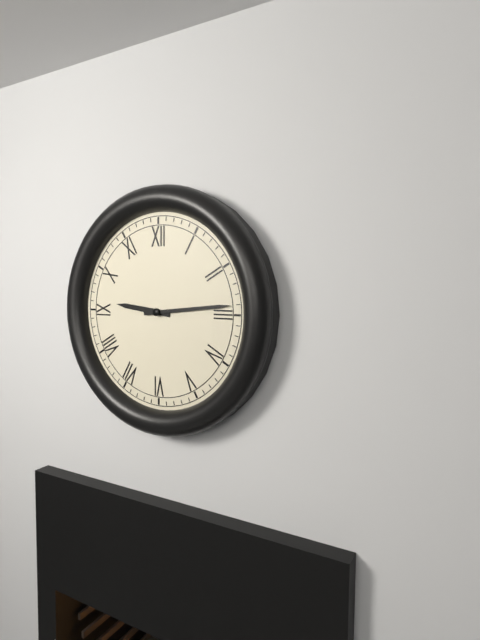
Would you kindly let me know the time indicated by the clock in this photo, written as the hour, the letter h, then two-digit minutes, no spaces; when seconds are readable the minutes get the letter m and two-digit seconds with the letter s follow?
9h14
